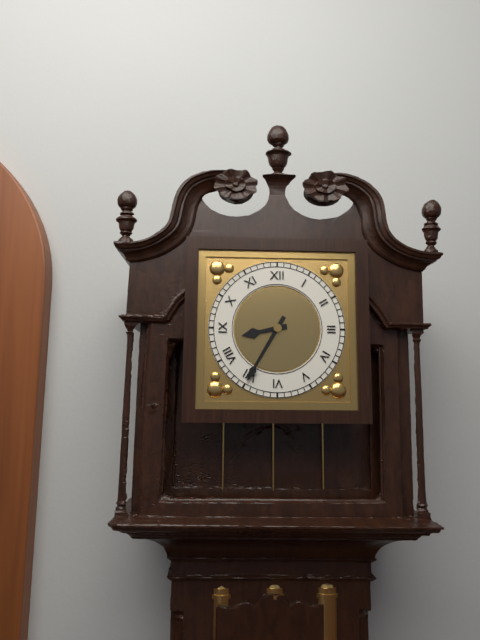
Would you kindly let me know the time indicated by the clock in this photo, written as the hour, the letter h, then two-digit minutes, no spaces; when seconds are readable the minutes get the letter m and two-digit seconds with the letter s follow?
8h35
